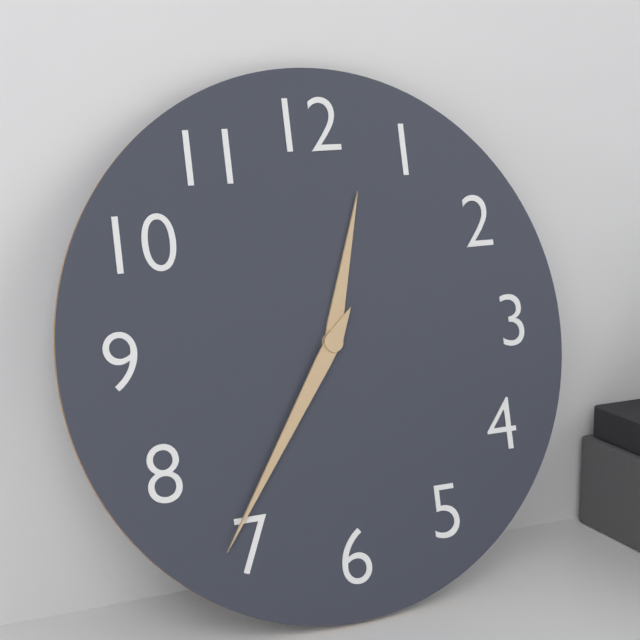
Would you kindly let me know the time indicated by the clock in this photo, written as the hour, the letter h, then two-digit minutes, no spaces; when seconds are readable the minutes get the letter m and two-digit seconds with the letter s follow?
12h36
